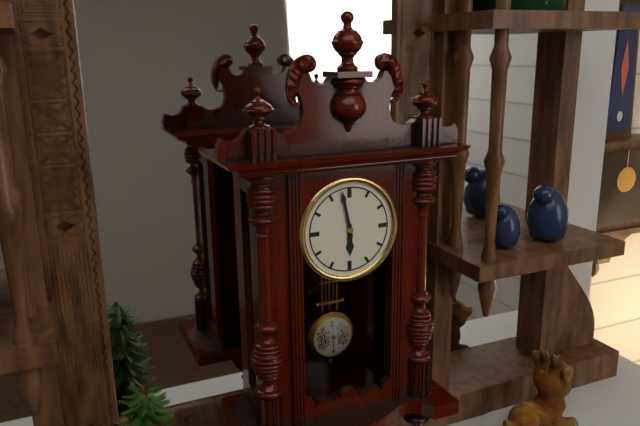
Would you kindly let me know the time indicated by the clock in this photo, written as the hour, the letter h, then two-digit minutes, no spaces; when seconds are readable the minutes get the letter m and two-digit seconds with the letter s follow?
5h58
